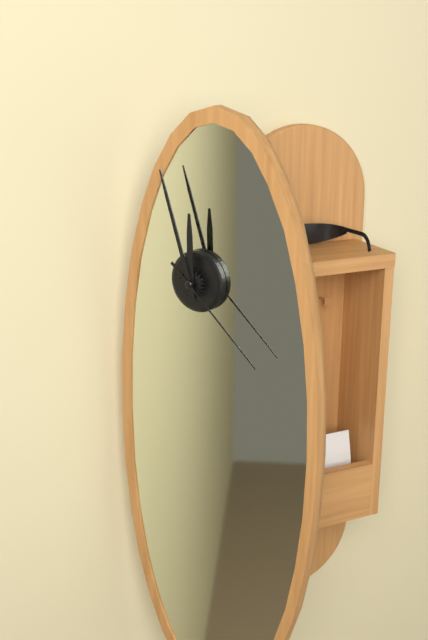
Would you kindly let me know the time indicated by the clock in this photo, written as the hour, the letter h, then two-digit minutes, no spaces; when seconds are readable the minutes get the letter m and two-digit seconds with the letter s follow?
11h57m22s
